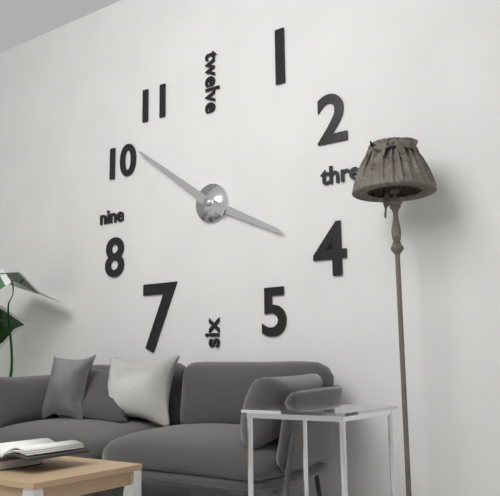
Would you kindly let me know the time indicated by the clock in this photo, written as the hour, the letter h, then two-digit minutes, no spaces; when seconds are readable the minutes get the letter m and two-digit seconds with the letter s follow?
3h51
